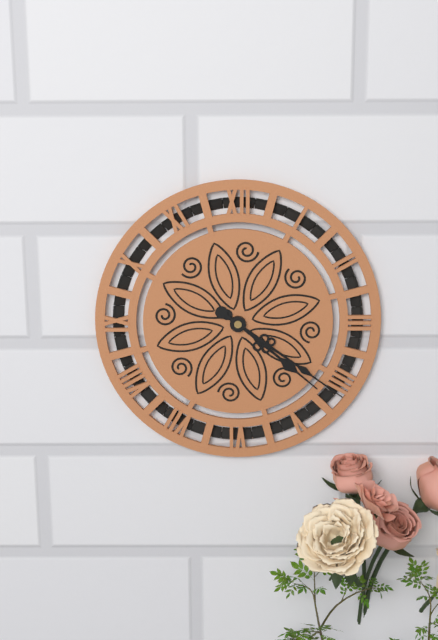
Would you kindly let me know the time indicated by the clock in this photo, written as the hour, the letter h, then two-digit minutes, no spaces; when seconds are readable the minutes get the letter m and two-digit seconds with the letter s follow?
4h21
